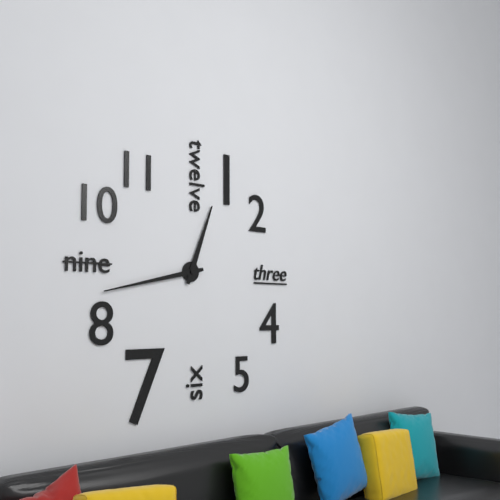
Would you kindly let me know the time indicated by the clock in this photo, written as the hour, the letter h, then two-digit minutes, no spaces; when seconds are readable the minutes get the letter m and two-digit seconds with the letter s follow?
12h43
